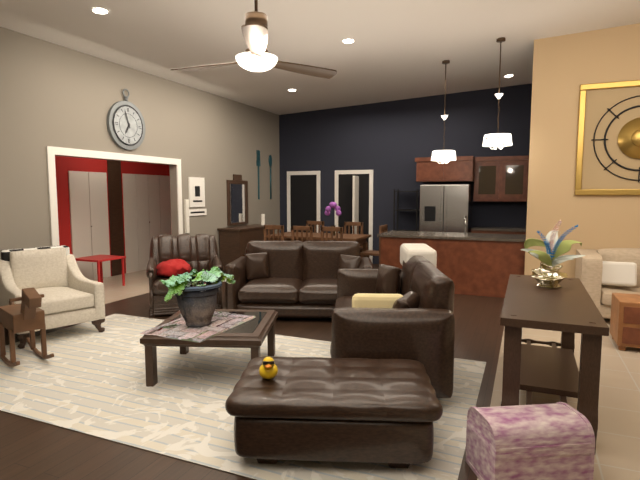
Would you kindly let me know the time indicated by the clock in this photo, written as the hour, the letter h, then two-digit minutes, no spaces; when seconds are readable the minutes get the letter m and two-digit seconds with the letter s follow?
6h57
